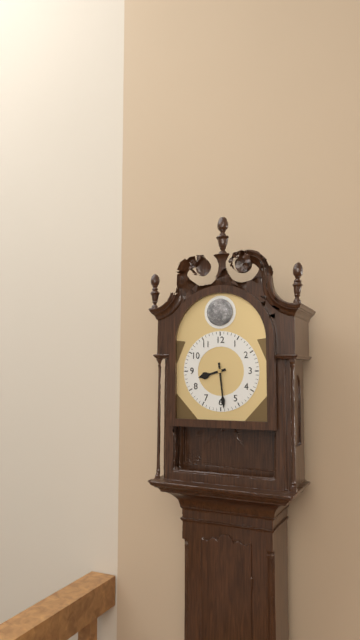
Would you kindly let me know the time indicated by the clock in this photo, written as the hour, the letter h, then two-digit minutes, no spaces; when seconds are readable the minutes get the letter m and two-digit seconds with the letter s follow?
8h29
